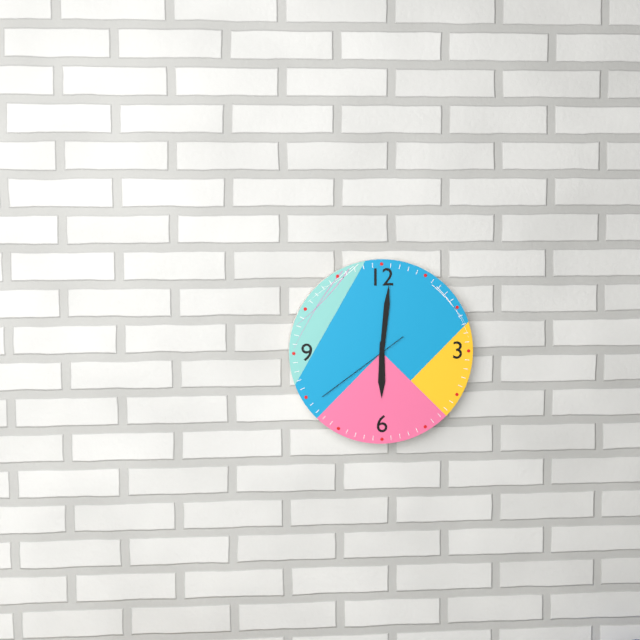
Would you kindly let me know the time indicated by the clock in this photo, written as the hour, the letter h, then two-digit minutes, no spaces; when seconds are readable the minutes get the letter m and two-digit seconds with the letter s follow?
6h01m39s
